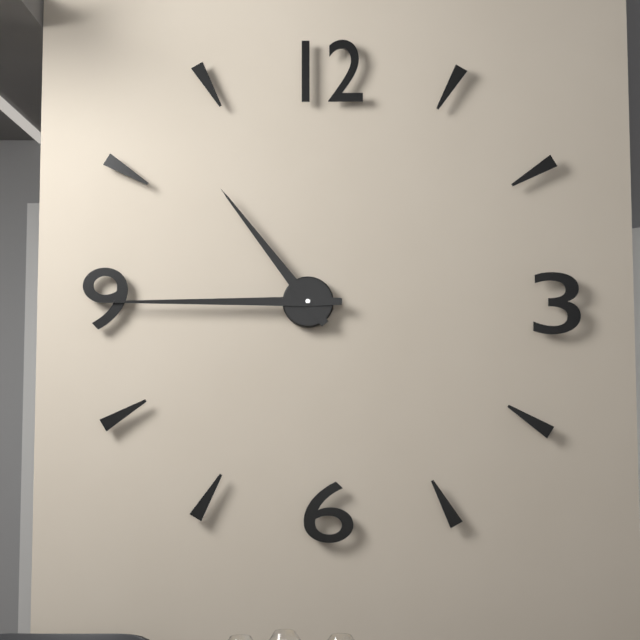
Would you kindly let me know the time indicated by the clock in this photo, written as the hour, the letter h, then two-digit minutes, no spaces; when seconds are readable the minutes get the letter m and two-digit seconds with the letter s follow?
10h45
